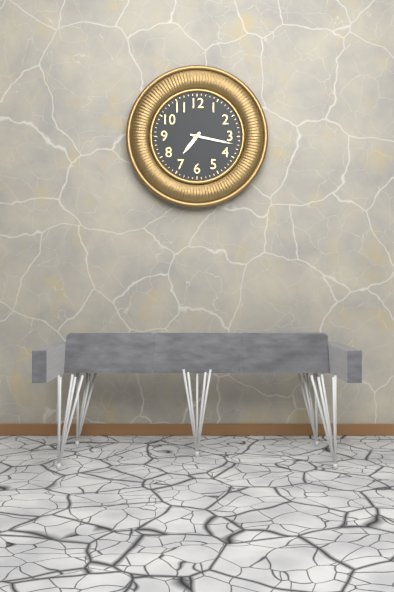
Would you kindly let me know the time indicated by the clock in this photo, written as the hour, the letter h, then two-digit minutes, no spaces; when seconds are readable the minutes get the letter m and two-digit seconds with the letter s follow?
7h17
